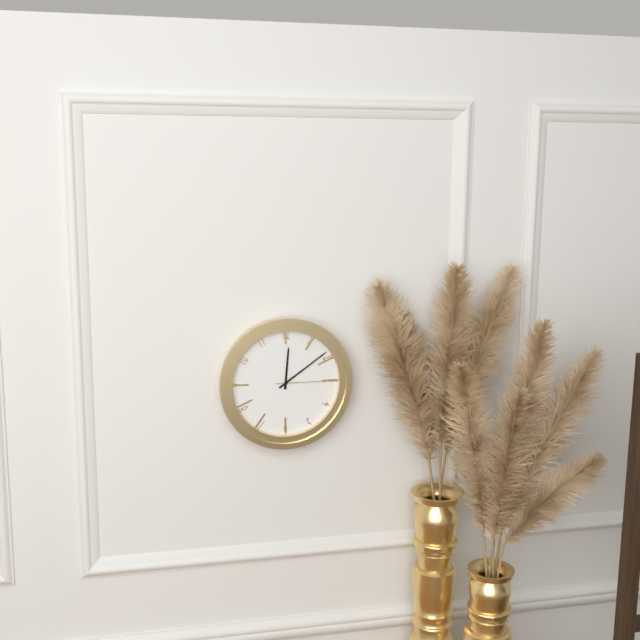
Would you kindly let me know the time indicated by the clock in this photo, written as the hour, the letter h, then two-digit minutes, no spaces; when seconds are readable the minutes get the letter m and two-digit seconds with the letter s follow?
12h09m15s
